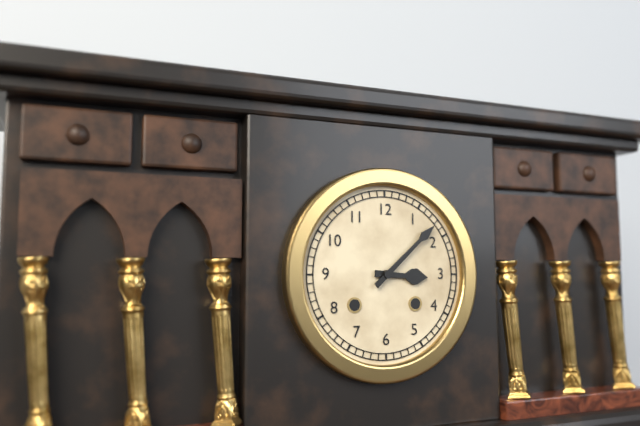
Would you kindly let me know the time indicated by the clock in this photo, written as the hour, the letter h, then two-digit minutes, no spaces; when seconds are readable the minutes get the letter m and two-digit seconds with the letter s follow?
3h08
